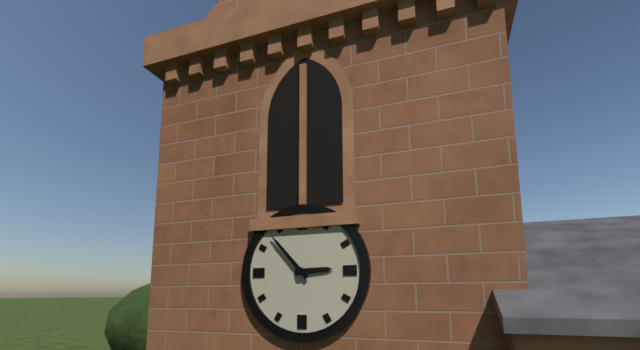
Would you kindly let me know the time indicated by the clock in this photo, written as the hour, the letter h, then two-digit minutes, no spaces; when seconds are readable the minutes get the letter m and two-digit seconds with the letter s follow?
2h53
